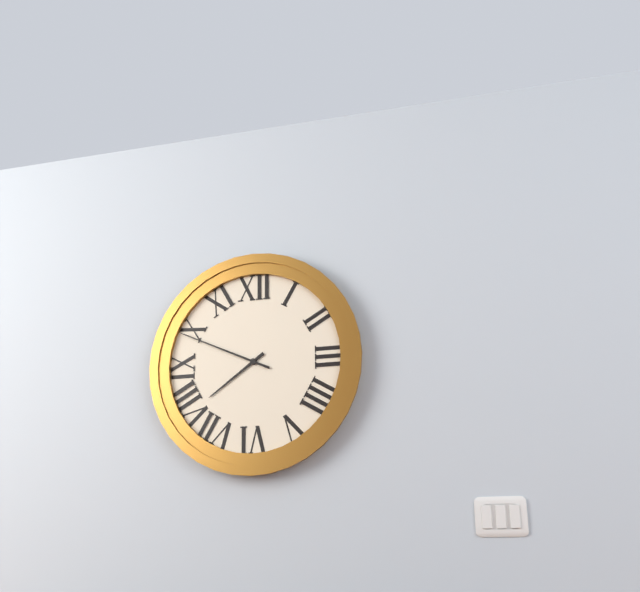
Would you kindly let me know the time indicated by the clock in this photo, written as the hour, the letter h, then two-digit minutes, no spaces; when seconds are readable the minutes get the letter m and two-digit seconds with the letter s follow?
7h49
